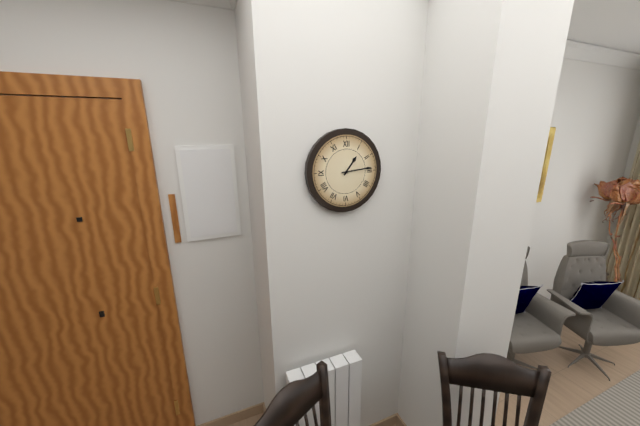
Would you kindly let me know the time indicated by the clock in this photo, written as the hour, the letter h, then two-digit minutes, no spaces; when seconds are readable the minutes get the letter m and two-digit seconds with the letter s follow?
1h14
